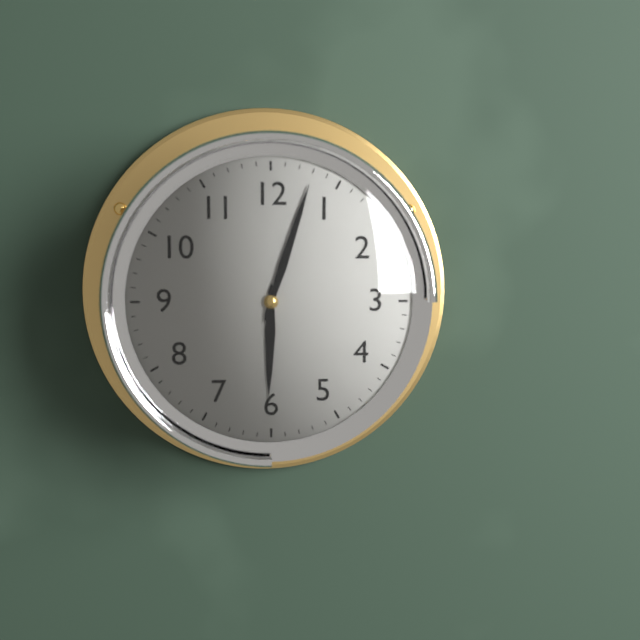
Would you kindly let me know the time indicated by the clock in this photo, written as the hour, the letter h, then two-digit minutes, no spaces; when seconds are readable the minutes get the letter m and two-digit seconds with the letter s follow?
6h03
